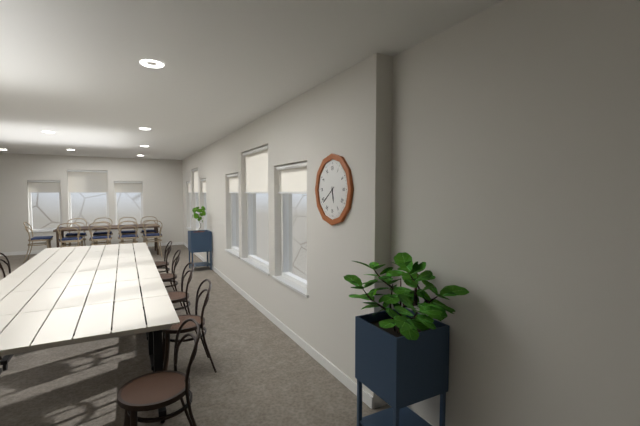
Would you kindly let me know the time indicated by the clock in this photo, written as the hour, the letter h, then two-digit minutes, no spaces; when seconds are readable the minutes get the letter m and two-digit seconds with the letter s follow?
5h39
